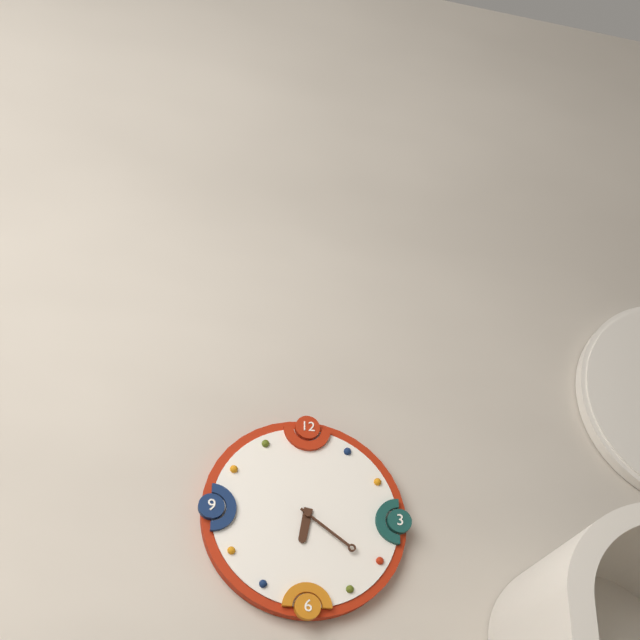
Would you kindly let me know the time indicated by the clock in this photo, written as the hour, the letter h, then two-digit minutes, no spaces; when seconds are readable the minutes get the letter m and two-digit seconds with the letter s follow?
6h21
